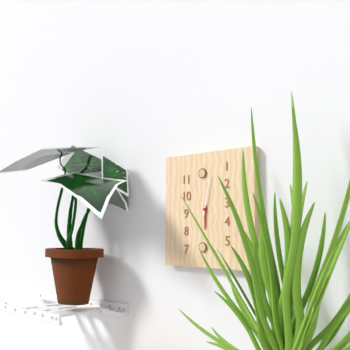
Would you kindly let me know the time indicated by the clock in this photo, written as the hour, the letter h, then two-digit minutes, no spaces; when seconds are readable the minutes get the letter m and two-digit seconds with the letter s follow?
6h02
